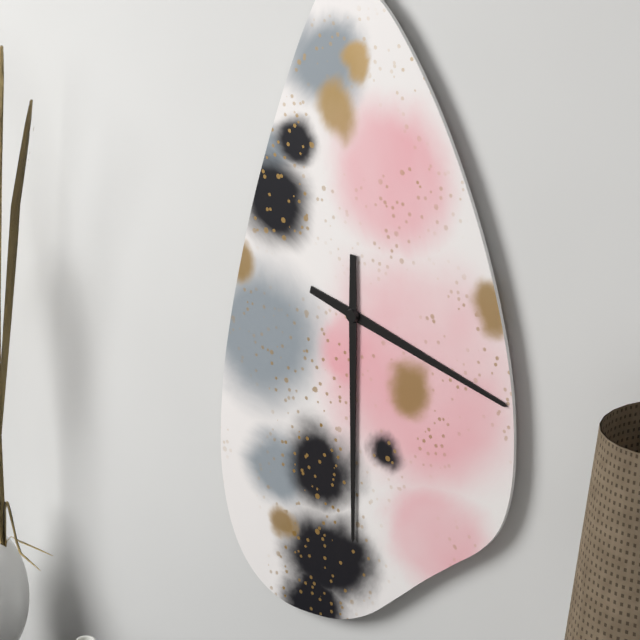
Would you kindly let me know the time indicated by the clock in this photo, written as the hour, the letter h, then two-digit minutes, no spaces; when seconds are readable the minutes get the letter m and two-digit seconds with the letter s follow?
3h30
